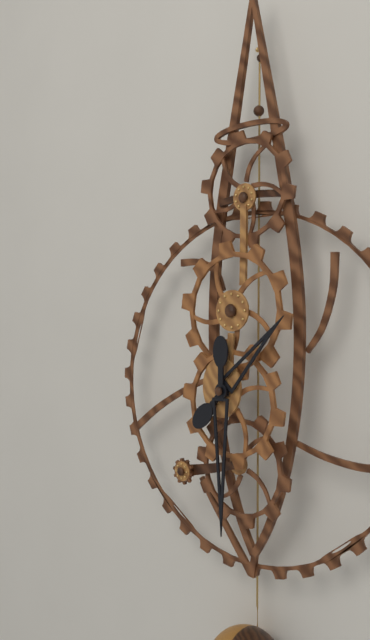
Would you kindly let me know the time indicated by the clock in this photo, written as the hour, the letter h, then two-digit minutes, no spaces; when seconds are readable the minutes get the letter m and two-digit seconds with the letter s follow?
1h30
